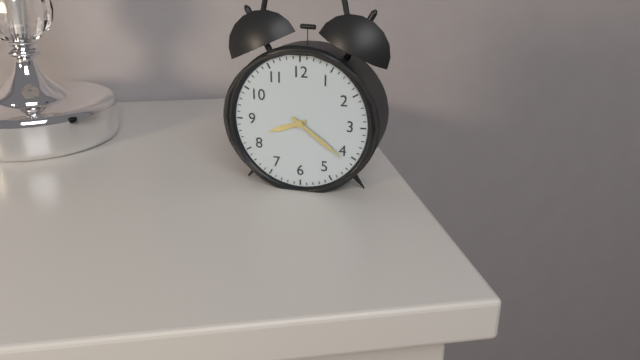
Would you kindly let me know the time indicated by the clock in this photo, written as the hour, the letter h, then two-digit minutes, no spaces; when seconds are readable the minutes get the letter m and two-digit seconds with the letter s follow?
8h21
